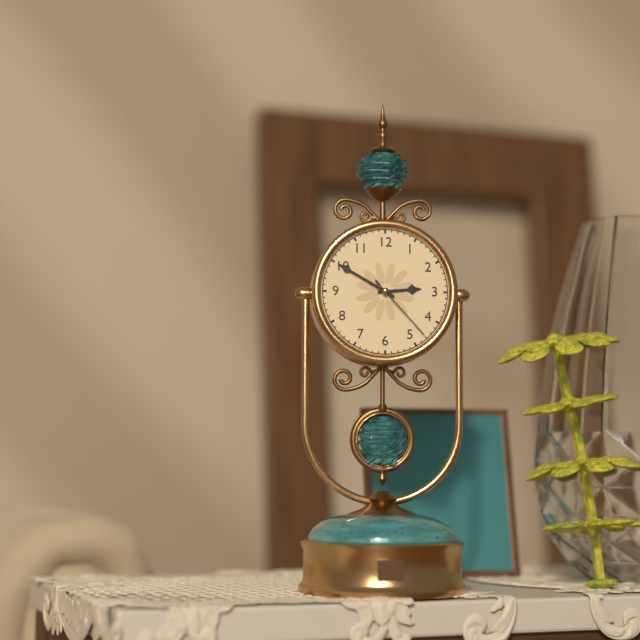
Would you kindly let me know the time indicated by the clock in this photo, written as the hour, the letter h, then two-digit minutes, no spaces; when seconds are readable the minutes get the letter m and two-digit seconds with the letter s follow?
2h50m23s
